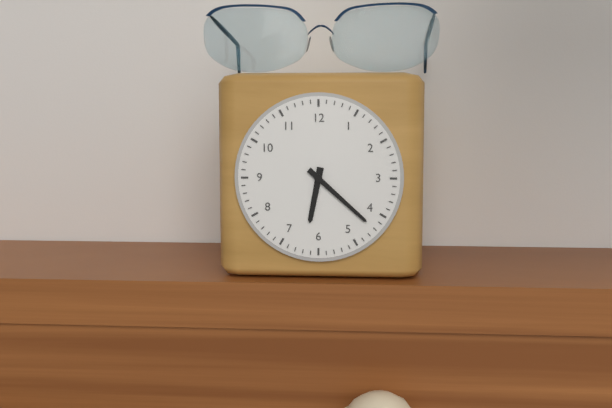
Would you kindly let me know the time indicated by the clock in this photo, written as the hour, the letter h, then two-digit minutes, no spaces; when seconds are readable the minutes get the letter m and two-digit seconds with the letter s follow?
6h22
